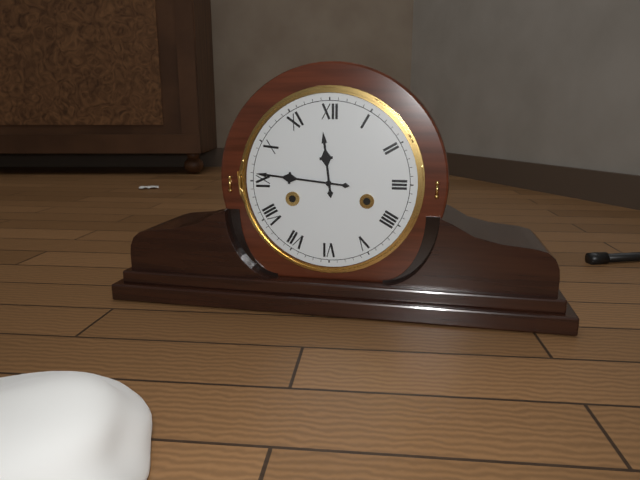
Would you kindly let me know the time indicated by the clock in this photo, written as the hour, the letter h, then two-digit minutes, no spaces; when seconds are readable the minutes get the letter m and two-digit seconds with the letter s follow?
11h46
